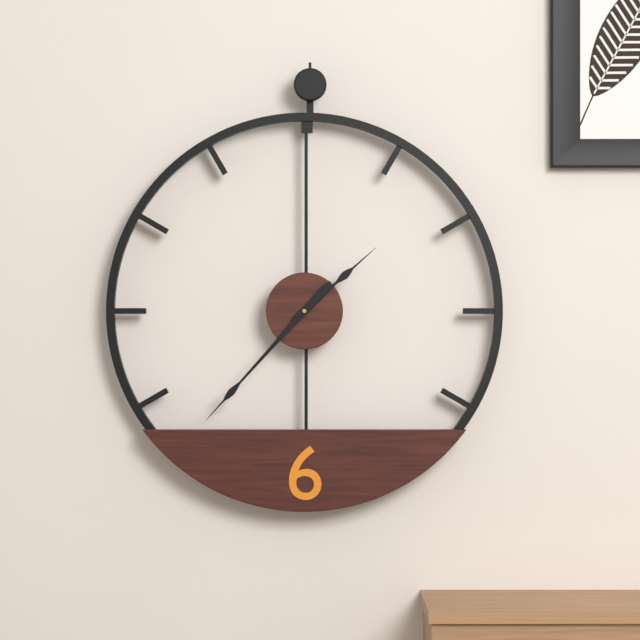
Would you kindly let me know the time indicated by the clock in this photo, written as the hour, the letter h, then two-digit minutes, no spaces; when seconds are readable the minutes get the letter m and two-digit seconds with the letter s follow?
1h37
